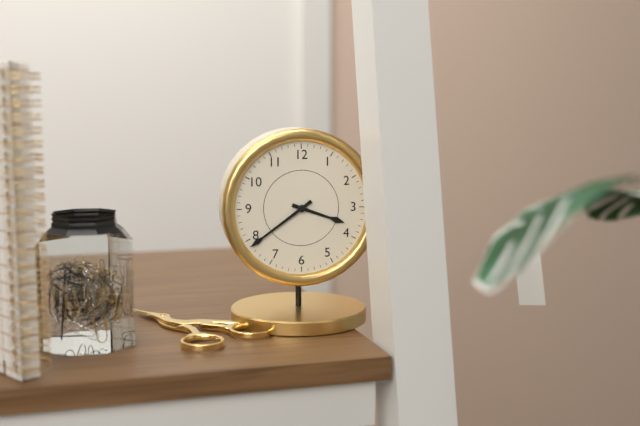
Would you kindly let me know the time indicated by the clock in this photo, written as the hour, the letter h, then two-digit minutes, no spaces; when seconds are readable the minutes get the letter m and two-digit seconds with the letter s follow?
3h39
